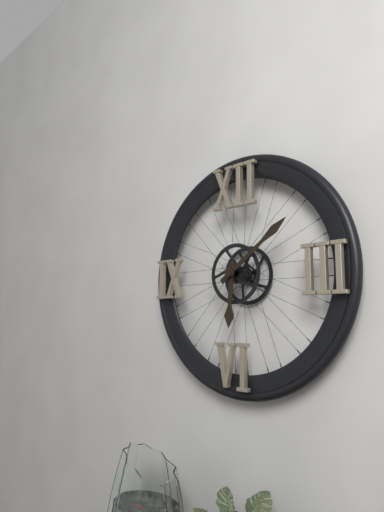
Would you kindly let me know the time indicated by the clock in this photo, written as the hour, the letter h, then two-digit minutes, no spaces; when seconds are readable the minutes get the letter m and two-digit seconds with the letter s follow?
6h09
